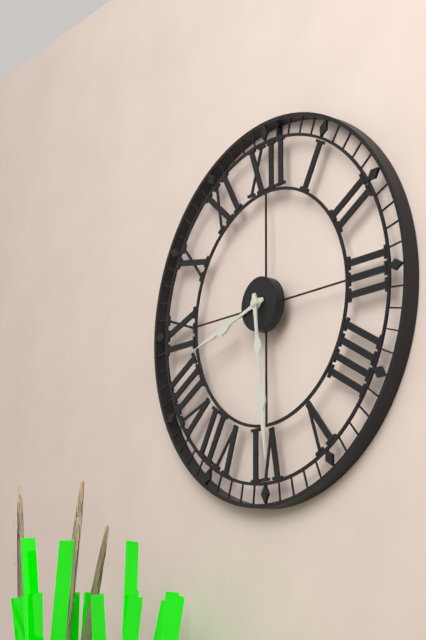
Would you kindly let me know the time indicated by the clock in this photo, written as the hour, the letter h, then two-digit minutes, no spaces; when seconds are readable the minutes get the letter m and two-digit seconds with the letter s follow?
8h29
